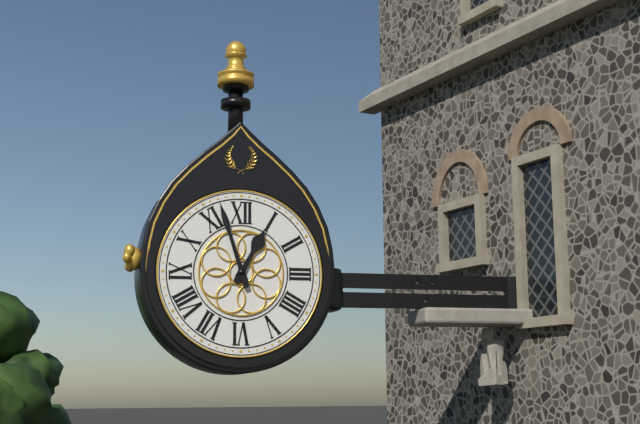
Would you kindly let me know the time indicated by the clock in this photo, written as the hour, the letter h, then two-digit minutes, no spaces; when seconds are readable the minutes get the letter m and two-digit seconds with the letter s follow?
12h57
